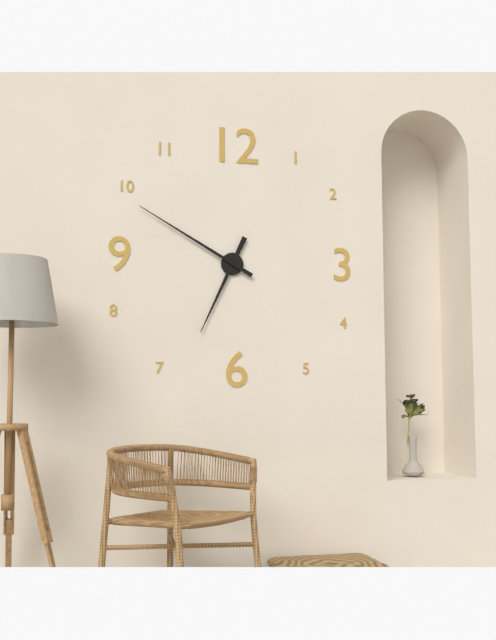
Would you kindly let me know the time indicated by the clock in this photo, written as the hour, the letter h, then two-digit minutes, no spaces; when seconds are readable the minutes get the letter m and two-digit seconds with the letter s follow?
6h50
